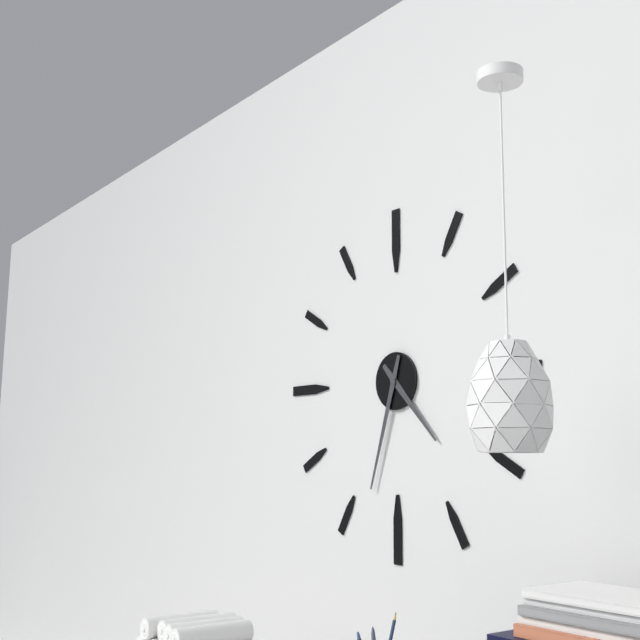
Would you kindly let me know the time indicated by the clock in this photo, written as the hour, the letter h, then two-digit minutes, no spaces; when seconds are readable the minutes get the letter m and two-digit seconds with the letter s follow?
4h33
